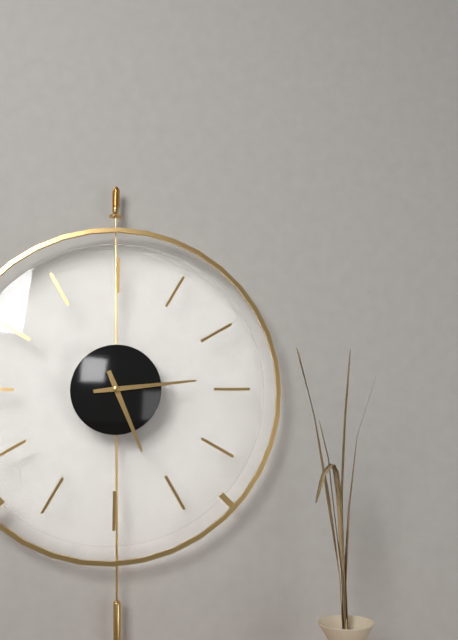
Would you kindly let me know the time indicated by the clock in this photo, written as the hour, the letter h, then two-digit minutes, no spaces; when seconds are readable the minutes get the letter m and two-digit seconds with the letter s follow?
5h14
